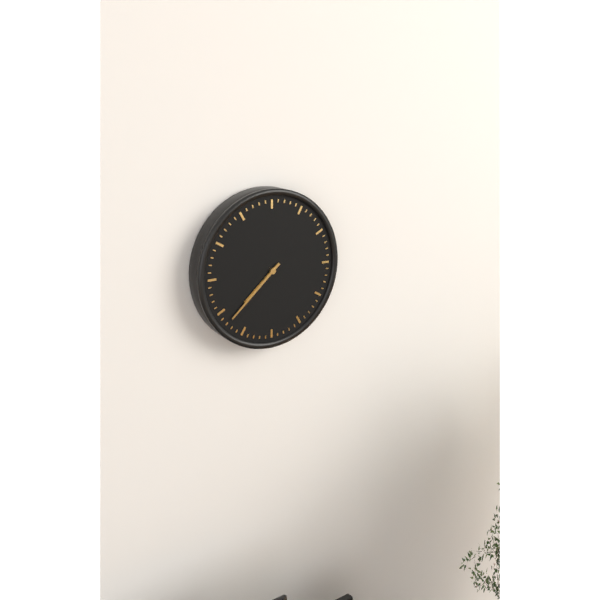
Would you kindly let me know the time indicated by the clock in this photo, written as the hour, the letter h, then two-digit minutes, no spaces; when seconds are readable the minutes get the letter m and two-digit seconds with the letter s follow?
7h38
